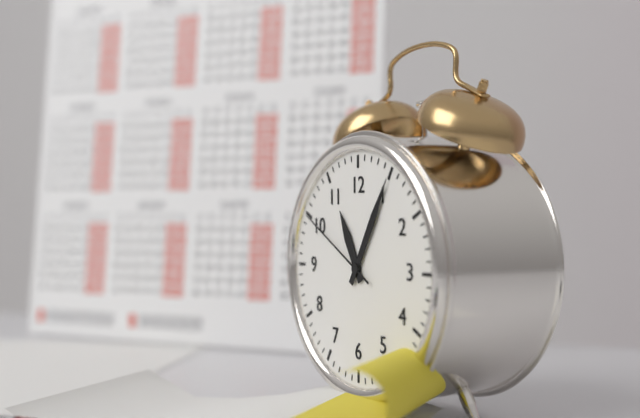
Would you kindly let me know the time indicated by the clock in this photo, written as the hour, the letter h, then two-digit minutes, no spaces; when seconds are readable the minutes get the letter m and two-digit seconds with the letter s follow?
11h05m50s
